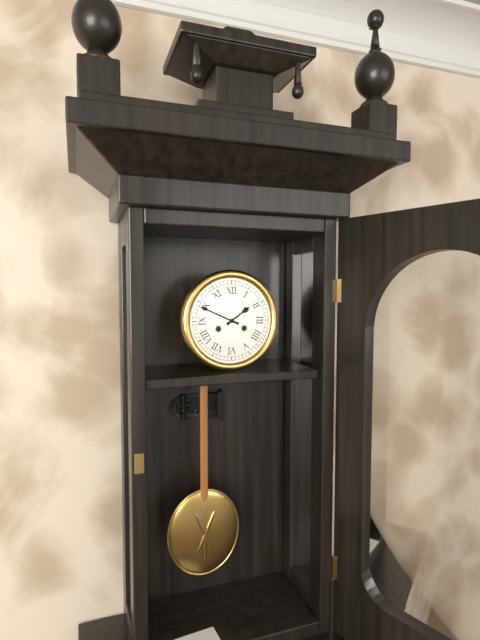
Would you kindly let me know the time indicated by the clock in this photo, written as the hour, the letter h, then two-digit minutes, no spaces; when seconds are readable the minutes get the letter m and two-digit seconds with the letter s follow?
1h49
